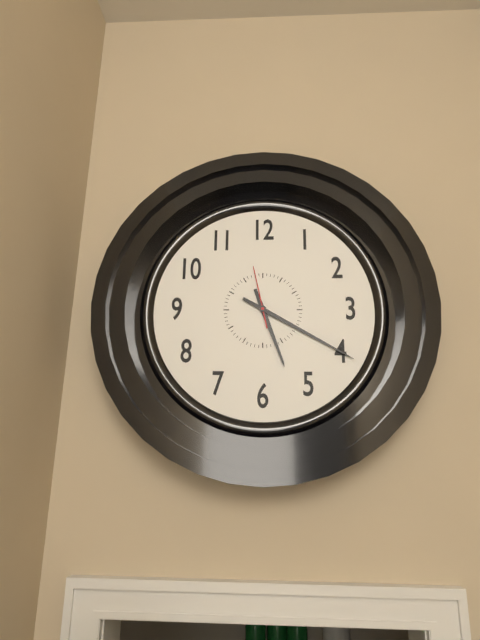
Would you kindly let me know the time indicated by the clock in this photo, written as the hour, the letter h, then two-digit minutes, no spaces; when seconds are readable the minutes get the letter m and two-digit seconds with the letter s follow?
5h20m58s
